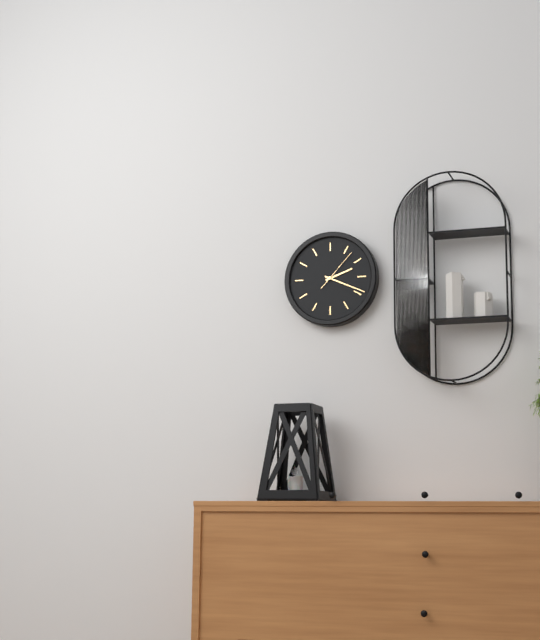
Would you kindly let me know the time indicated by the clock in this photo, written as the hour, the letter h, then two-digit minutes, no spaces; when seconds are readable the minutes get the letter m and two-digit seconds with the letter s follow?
2h19
